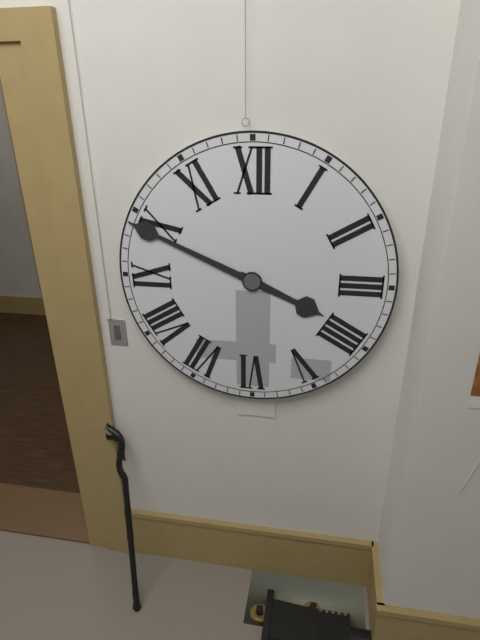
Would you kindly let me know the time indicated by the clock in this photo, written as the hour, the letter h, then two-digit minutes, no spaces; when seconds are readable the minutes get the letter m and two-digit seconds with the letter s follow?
3h49
